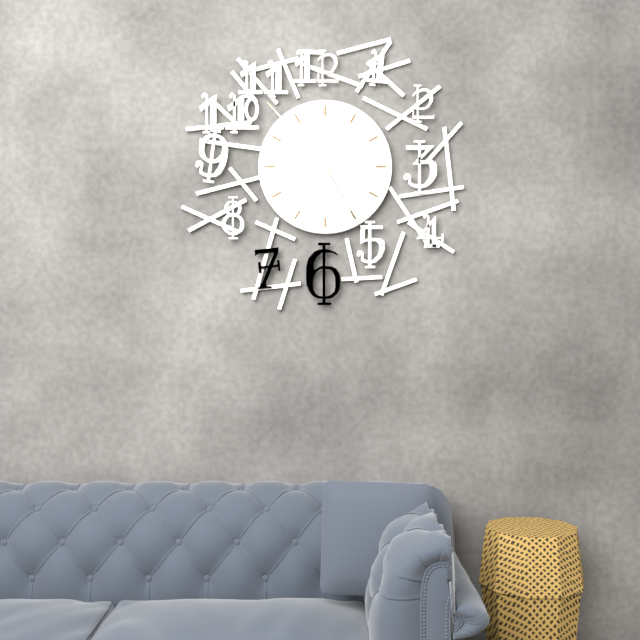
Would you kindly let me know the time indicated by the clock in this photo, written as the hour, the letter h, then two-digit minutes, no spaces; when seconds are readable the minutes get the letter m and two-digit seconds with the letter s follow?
11h53m25s
